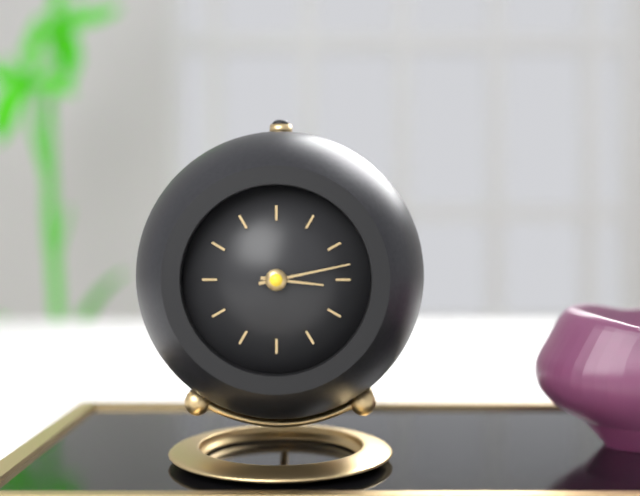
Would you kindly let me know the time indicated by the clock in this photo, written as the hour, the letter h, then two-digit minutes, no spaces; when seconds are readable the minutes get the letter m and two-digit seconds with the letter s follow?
3h13
